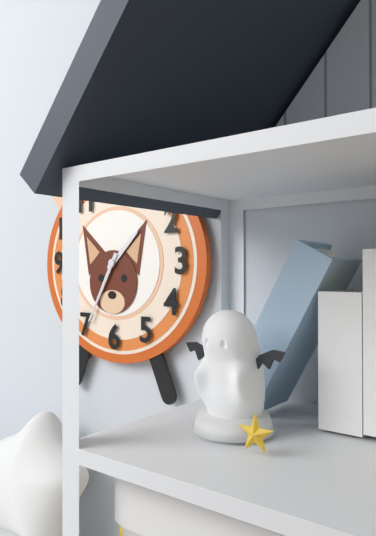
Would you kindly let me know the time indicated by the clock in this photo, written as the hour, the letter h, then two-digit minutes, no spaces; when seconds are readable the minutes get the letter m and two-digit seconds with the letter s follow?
1h35
